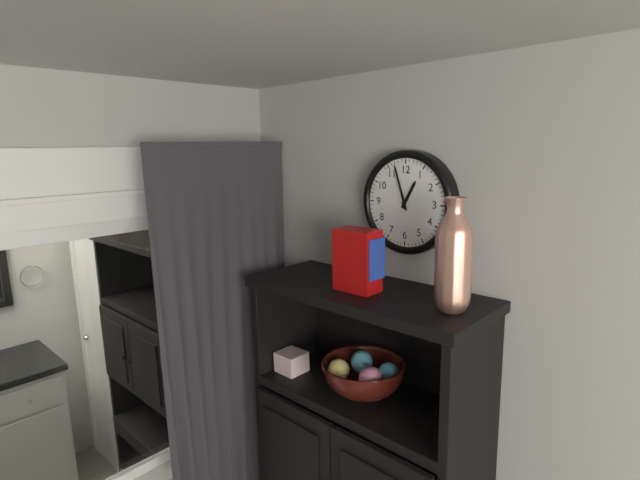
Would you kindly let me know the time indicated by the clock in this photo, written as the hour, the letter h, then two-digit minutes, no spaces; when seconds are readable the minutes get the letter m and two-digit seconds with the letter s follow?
12h57
